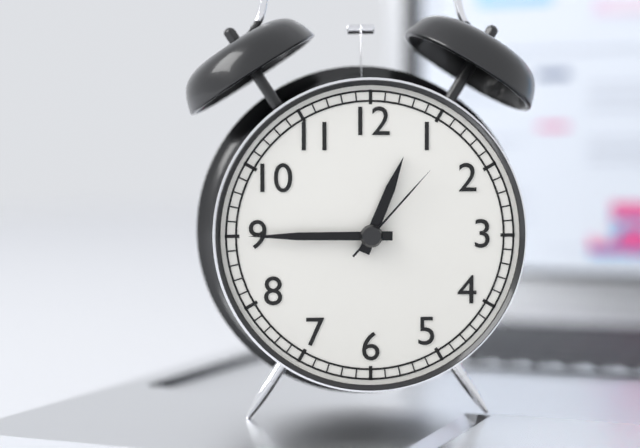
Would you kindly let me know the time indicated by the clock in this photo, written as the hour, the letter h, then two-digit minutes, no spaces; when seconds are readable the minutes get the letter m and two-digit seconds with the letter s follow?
12h45m07s
